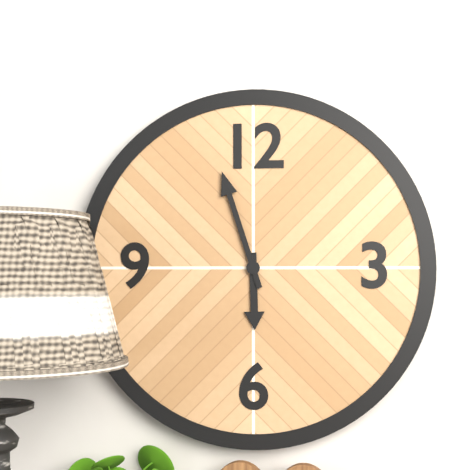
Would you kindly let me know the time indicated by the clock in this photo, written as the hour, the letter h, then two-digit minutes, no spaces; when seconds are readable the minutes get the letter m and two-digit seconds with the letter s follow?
5h57
